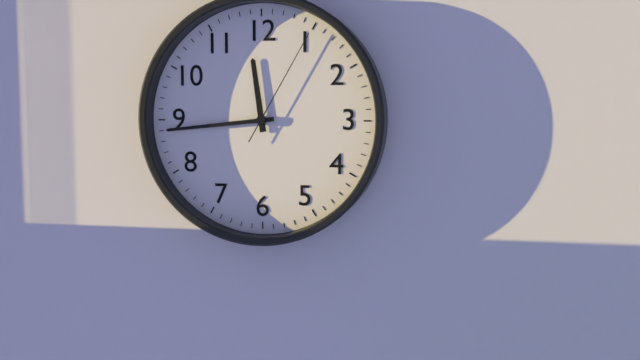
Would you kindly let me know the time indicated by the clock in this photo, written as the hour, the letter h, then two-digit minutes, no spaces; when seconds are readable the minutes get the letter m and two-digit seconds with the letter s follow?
11h44m05s
